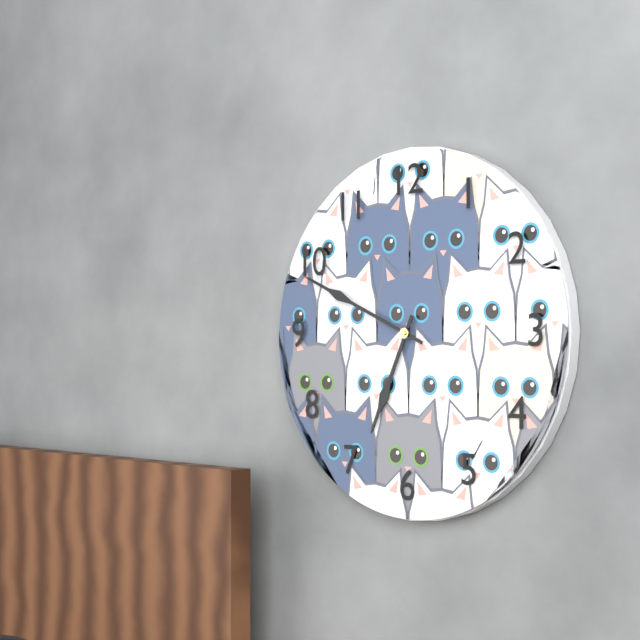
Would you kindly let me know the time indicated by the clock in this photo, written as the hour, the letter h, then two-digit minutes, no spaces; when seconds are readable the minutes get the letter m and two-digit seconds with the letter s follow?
6h49
